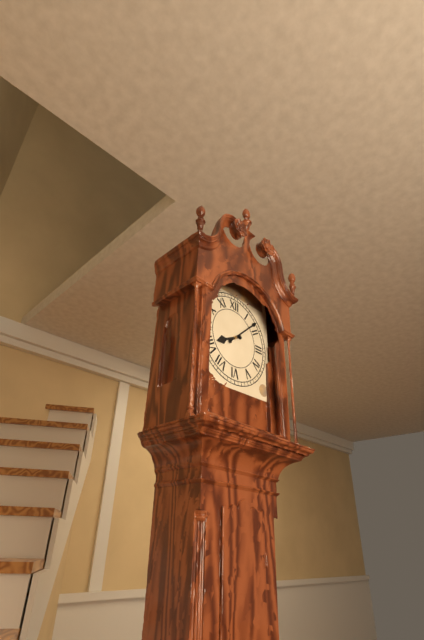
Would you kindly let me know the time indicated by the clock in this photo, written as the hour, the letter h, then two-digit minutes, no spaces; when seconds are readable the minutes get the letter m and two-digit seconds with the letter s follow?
8h08
